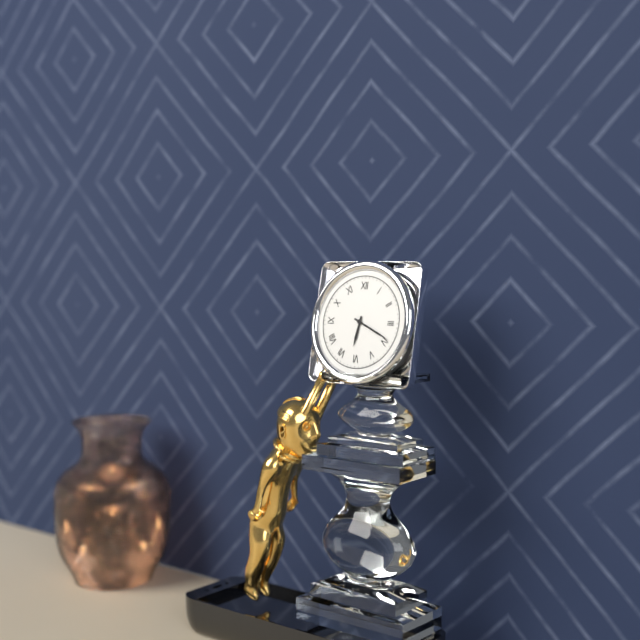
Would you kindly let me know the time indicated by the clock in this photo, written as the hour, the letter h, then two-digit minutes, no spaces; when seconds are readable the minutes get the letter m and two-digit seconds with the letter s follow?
6h19
